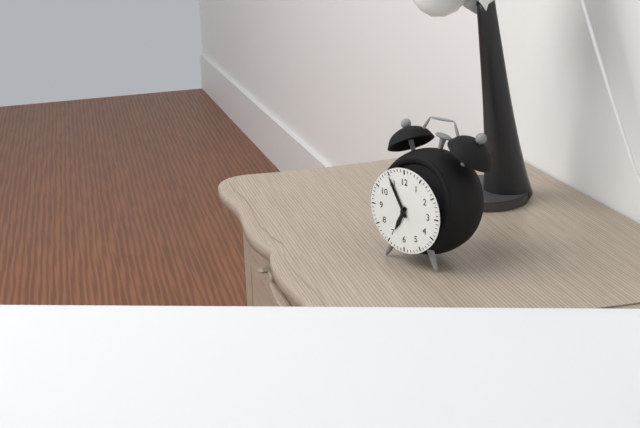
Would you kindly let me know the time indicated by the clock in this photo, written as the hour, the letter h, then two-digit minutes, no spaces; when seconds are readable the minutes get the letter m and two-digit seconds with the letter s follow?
6h55
